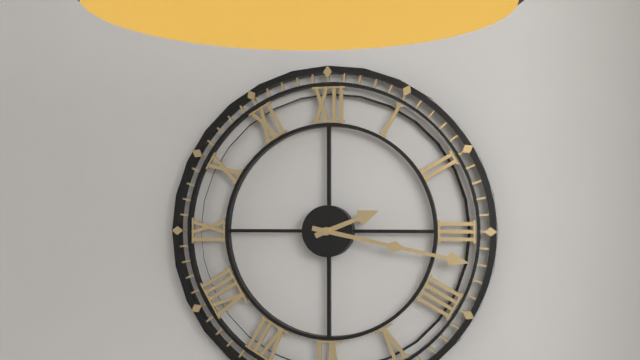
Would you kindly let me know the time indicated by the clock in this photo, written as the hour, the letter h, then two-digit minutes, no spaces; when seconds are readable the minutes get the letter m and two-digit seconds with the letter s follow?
2h17
